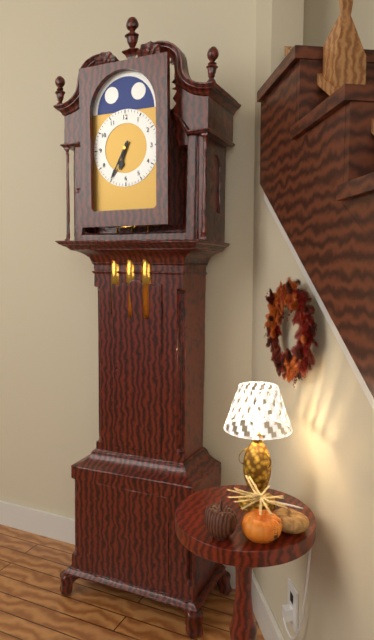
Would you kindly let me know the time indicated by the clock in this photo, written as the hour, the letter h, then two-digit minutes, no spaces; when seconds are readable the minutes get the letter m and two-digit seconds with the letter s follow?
6h35
